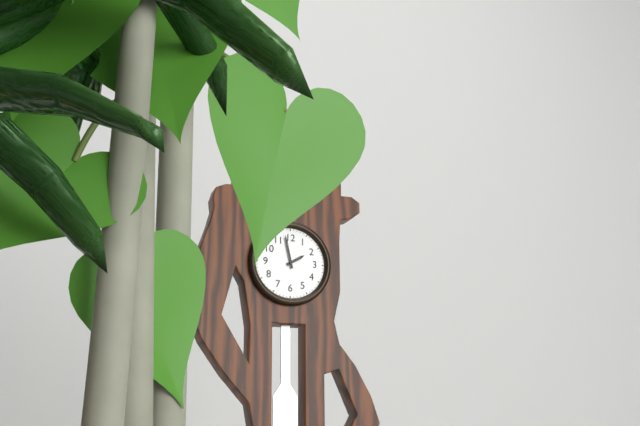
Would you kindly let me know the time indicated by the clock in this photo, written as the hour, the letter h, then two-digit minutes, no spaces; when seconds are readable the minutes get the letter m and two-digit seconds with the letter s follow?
1h58
